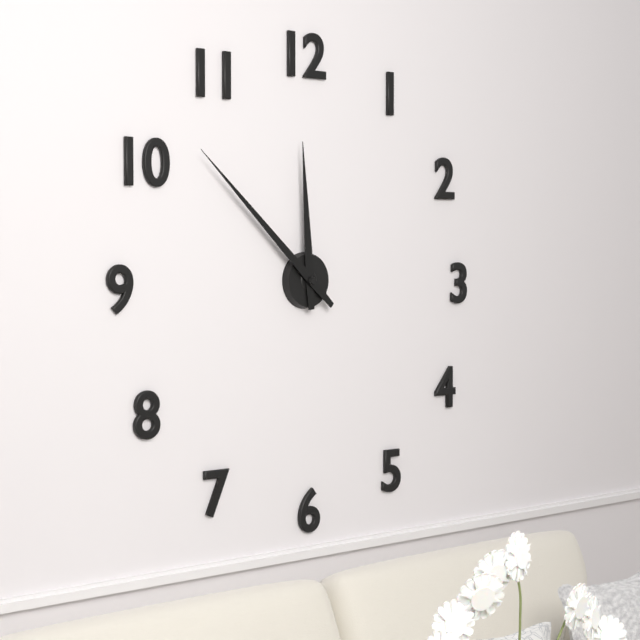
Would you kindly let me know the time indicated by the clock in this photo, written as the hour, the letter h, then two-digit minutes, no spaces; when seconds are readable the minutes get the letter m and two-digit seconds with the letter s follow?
11h52
